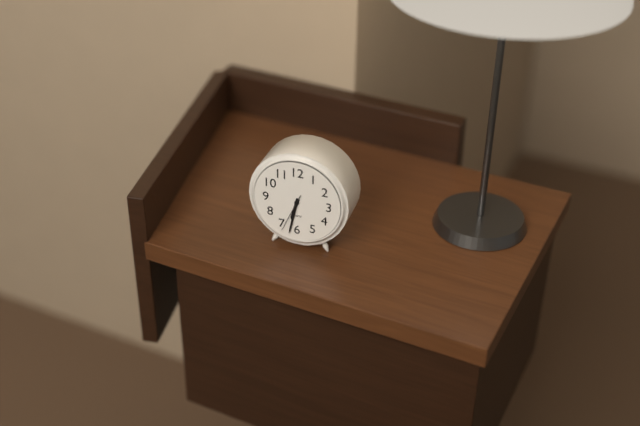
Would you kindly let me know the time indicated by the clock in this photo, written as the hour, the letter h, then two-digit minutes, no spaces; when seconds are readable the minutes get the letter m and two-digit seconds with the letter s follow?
6h32
